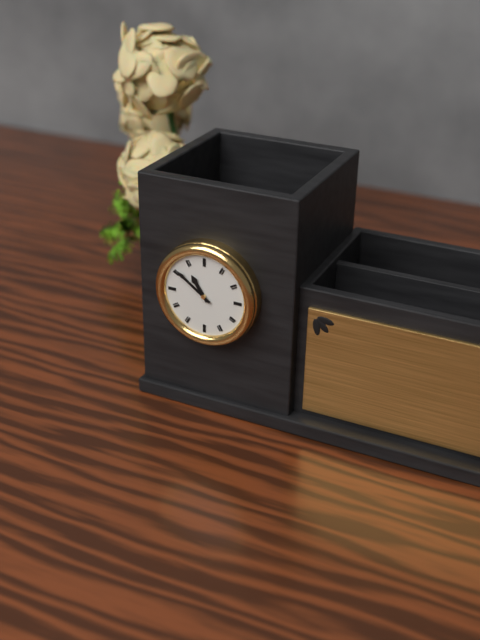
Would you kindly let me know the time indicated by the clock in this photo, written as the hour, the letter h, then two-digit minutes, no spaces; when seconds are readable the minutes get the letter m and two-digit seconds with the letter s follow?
10h51
